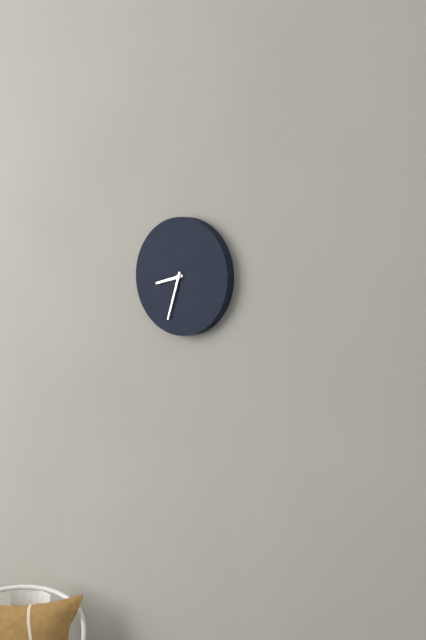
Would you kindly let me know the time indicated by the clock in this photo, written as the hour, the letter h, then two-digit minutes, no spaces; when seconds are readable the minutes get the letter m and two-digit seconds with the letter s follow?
8h33
